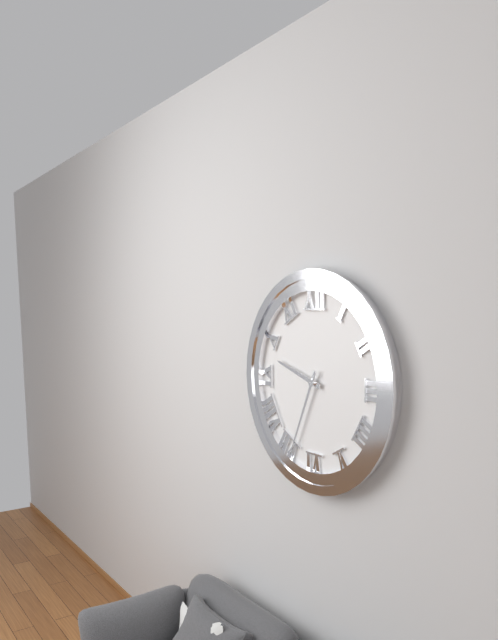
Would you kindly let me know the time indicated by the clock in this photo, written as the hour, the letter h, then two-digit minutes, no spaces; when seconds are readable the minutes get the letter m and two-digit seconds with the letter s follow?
9h34
